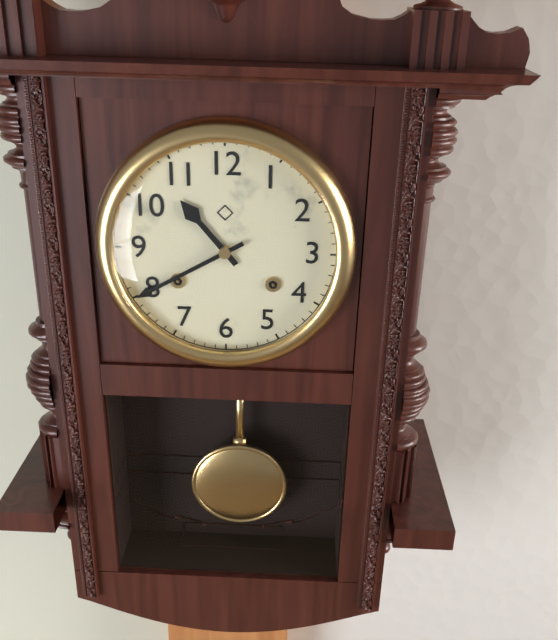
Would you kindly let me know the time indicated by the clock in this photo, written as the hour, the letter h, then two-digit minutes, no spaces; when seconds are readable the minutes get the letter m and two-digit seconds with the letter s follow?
10h40
